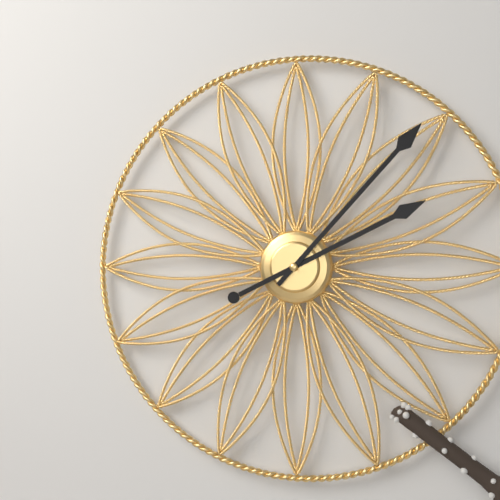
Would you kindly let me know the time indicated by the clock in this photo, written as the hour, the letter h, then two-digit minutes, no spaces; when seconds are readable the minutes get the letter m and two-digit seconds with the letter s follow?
2h07
